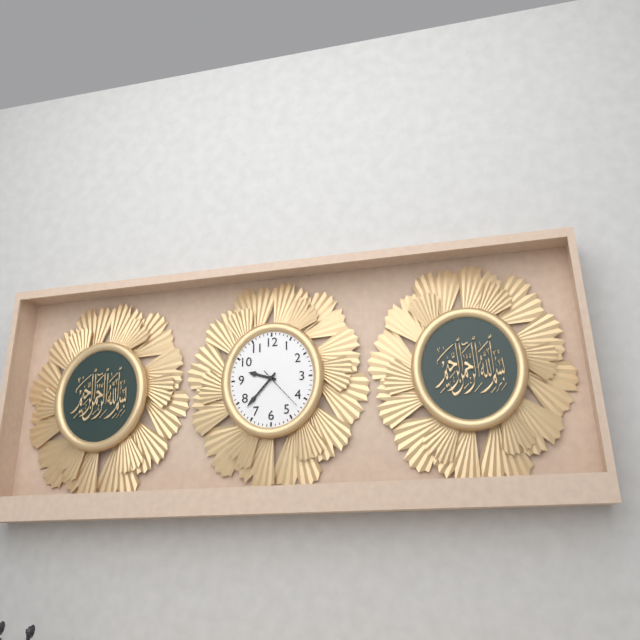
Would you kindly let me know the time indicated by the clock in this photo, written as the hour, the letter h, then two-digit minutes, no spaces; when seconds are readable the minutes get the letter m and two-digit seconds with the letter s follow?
9h37
